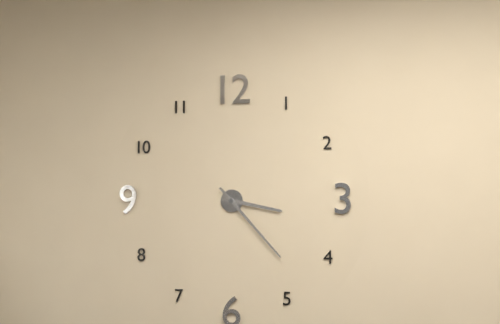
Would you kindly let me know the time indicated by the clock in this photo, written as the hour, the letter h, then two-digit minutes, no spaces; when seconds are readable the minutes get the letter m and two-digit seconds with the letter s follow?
3h23
